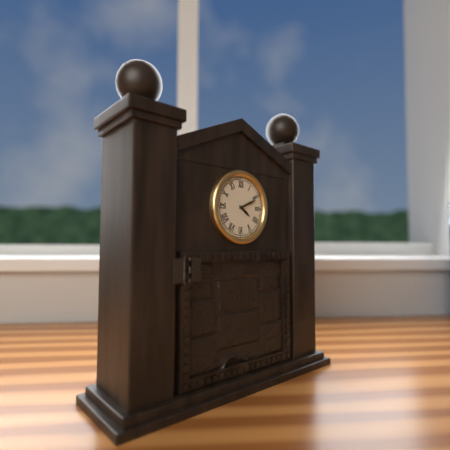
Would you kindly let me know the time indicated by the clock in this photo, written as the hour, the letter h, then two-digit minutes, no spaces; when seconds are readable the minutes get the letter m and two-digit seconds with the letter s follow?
4h11
